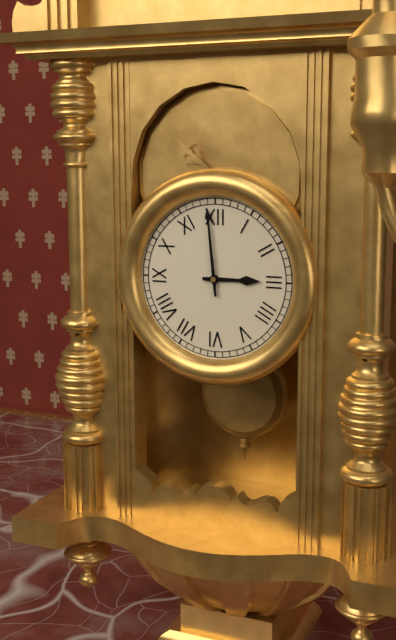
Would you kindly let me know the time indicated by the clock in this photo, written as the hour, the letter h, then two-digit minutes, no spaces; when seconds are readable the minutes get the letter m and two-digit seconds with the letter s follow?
2h59
